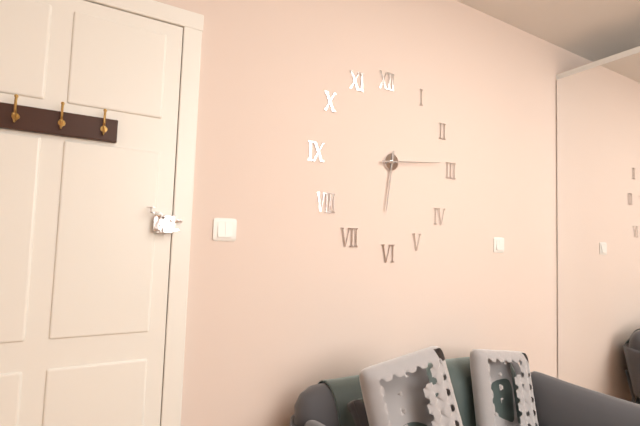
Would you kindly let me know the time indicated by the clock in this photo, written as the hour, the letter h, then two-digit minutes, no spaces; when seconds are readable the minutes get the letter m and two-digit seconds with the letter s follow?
6h14
